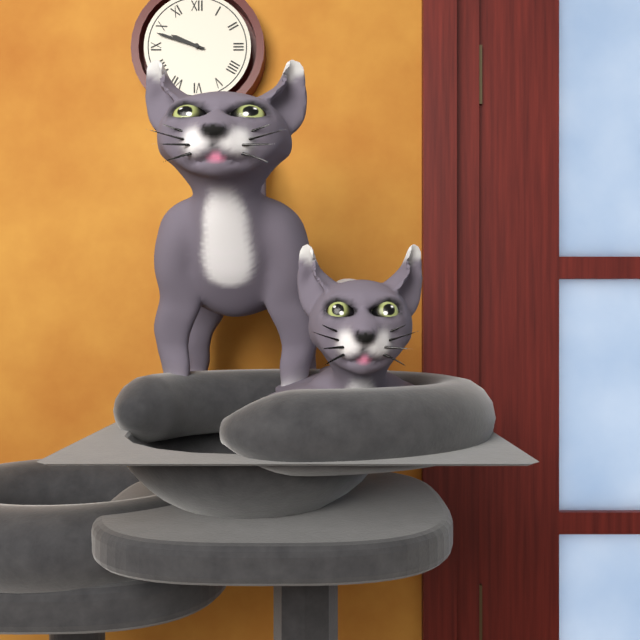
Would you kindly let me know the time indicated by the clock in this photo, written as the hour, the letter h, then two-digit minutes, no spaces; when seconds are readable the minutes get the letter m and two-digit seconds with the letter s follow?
9h48
